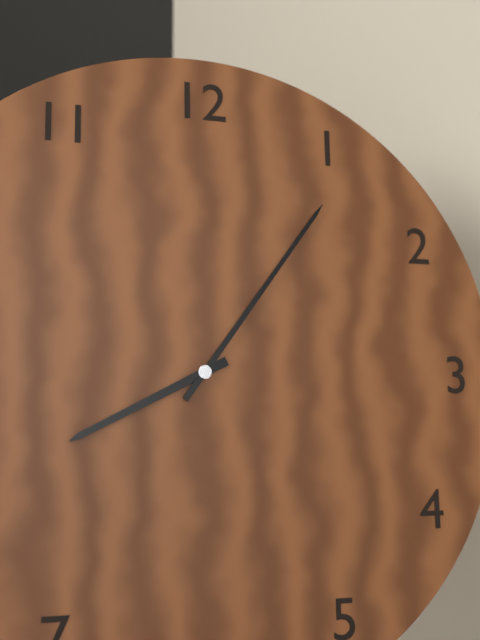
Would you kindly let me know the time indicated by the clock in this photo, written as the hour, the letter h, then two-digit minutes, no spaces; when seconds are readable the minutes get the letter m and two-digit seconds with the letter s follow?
8h06
